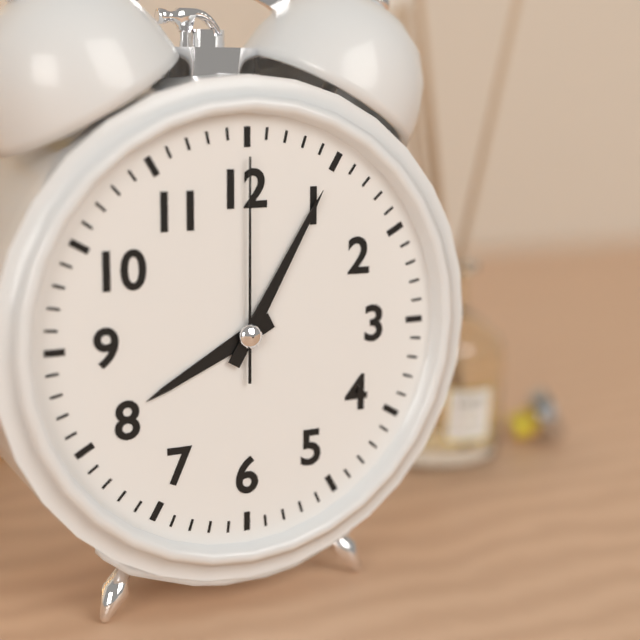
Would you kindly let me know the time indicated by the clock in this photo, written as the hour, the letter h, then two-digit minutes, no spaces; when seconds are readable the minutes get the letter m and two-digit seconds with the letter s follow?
8h05m00s
